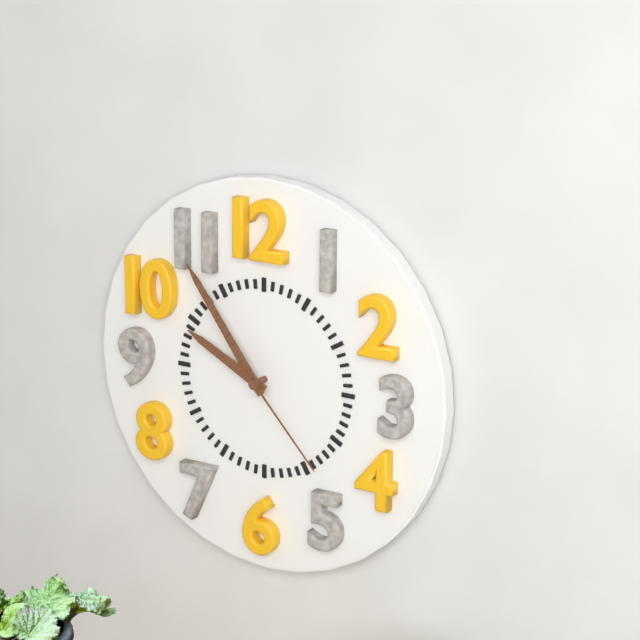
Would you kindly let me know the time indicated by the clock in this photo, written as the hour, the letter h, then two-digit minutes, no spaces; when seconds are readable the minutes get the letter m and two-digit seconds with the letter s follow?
9h54m23s
